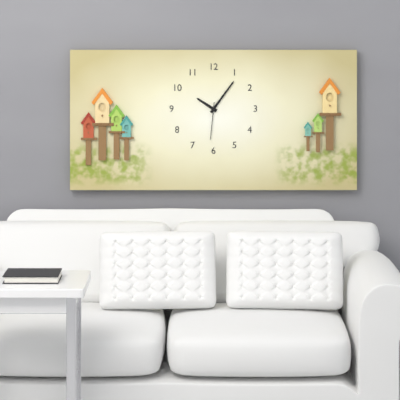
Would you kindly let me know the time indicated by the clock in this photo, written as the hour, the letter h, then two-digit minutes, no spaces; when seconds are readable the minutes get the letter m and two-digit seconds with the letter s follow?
10h06
